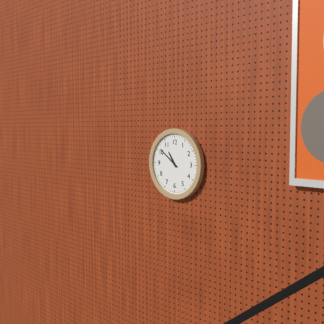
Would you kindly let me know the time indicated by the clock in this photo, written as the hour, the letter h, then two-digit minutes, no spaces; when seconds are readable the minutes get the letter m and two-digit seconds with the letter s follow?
10h51
